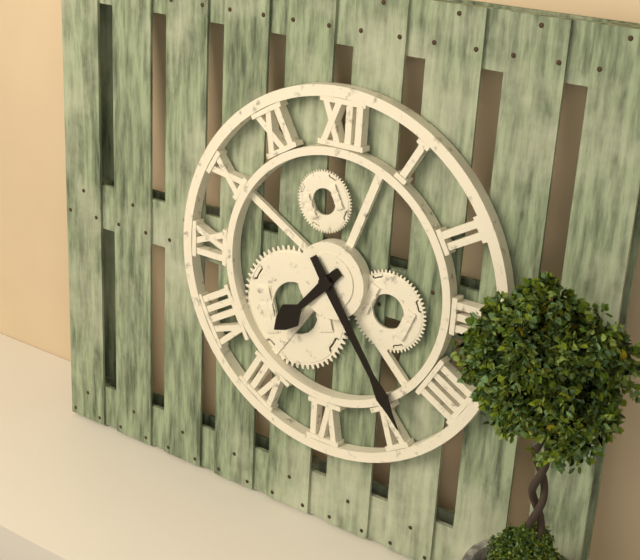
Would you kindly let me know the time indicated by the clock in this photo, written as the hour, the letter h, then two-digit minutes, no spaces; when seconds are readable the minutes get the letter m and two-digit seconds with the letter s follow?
7h24
